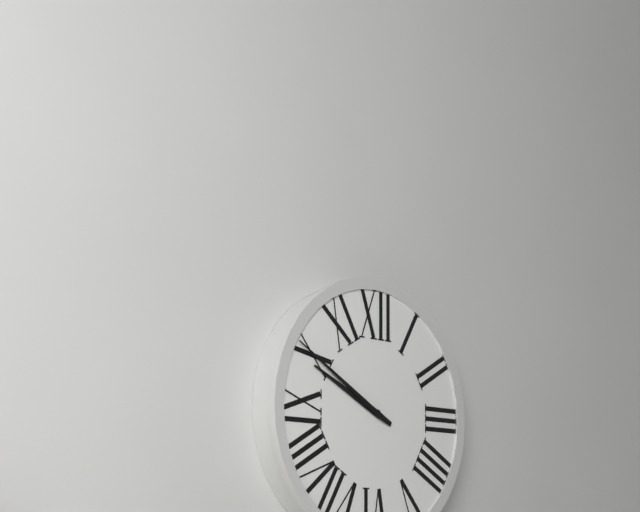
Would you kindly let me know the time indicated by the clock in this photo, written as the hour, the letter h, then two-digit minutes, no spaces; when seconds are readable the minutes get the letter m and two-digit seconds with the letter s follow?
9h50
